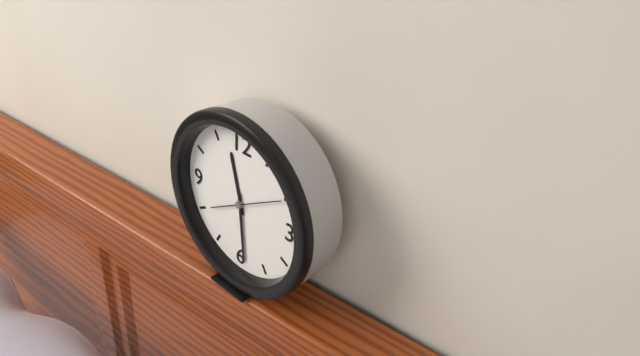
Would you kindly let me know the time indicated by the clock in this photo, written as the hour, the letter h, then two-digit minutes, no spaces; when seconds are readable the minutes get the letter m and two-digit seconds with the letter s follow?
11h29m10s
